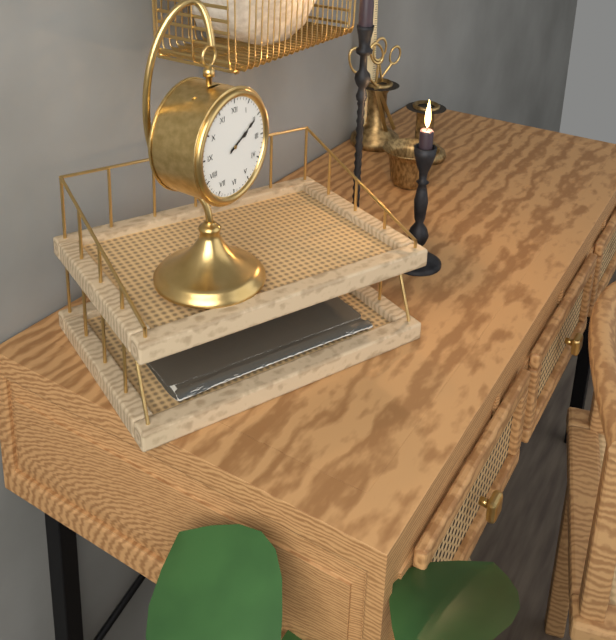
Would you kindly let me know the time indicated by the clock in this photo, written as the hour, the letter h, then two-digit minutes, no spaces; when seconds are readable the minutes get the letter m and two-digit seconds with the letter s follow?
2h10
